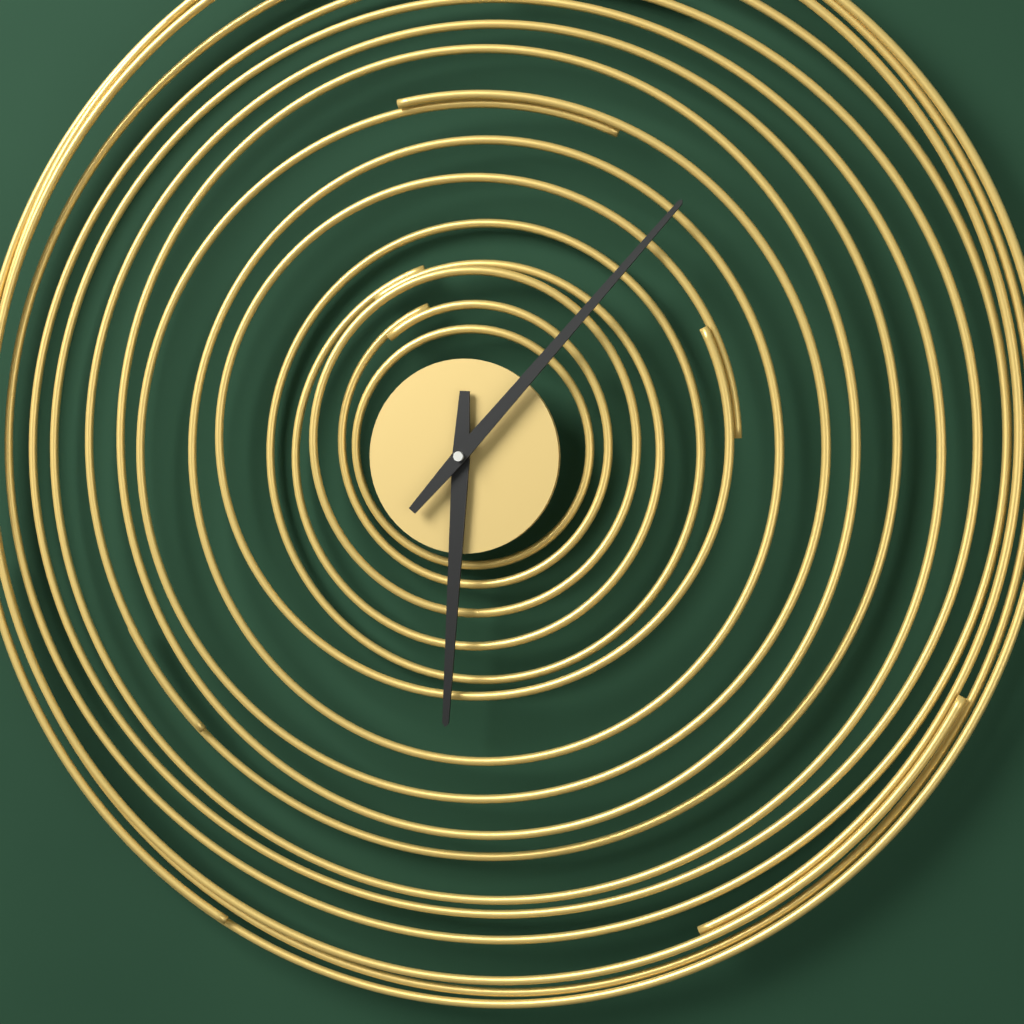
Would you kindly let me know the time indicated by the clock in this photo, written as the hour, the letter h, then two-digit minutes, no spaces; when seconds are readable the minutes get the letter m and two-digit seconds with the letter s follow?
6h07
